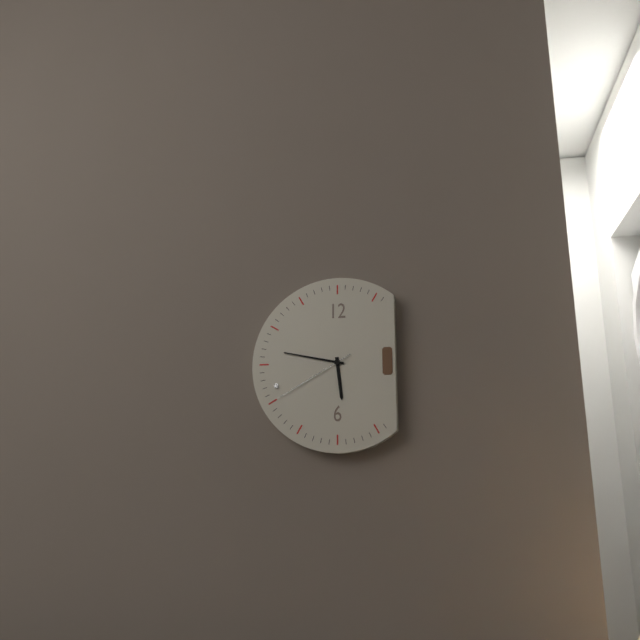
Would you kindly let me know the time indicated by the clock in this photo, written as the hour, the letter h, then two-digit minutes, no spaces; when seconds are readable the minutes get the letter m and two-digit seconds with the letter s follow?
5h47m40s
